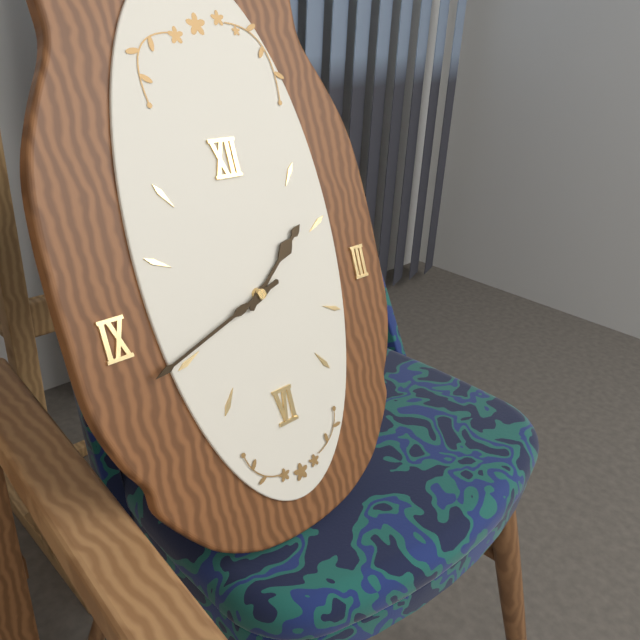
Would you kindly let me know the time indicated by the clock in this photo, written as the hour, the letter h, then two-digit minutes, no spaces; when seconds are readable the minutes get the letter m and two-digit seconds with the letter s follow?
1h42
